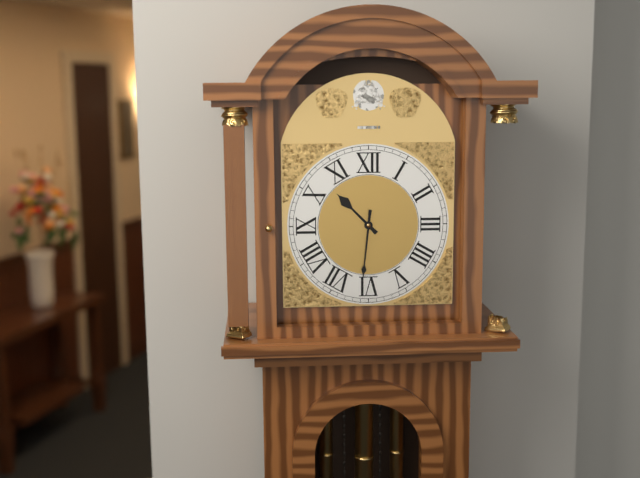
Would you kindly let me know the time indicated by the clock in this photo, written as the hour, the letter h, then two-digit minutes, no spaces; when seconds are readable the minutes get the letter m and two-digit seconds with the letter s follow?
10h31
